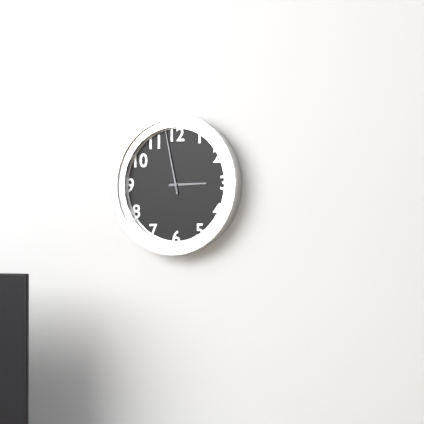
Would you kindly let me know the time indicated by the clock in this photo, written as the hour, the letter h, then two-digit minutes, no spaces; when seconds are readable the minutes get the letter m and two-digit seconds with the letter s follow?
2h58
